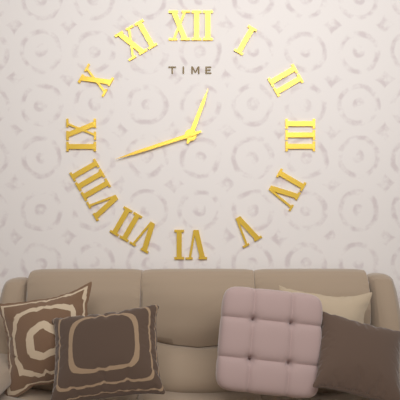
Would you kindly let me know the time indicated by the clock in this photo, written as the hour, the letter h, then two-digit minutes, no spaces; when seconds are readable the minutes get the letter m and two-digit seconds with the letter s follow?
12h42
